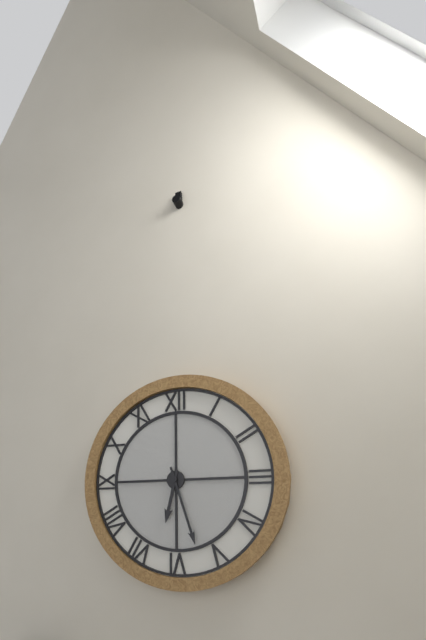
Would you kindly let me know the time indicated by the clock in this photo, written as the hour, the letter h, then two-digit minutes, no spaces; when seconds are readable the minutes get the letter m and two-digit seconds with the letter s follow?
6h27
